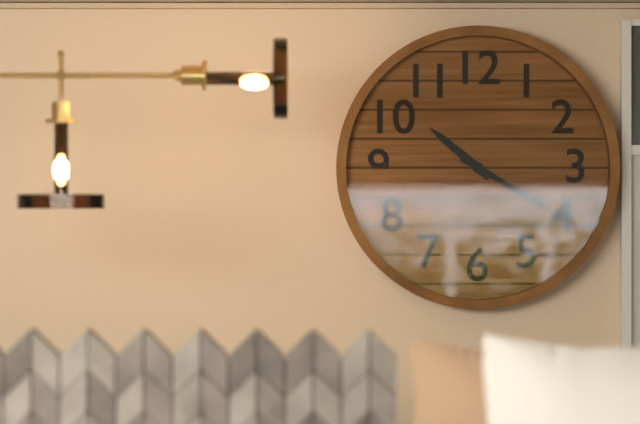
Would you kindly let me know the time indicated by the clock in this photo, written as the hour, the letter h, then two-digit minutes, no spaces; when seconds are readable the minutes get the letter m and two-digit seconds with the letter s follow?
10h20
